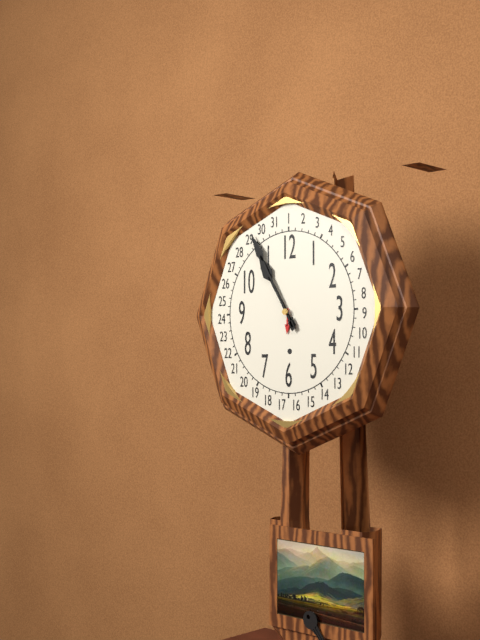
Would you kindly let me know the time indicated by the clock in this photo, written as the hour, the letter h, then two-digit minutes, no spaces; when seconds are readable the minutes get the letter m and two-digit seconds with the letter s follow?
10h55
